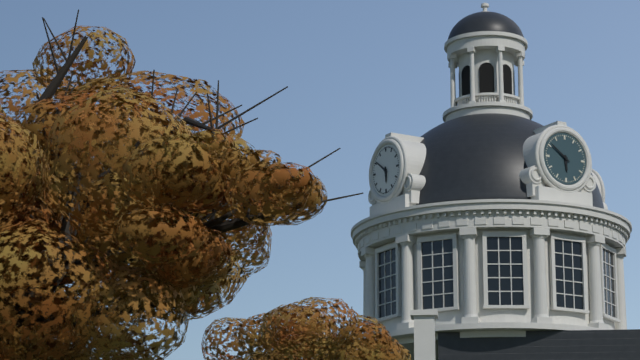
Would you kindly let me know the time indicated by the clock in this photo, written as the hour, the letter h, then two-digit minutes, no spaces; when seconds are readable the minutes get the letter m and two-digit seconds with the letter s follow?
5h51
